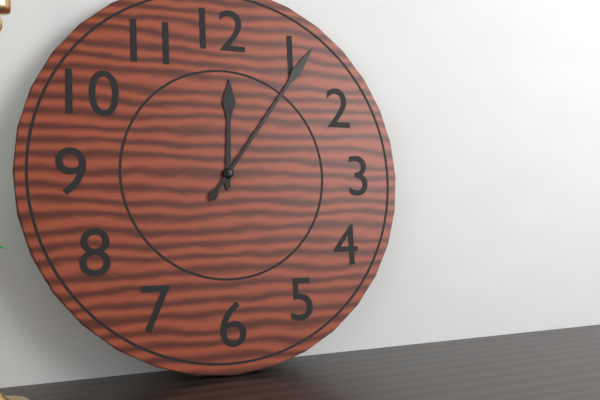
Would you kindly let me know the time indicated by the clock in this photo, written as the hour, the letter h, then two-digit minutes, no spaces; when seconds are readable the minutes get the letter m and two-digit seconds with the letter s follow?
12h06
